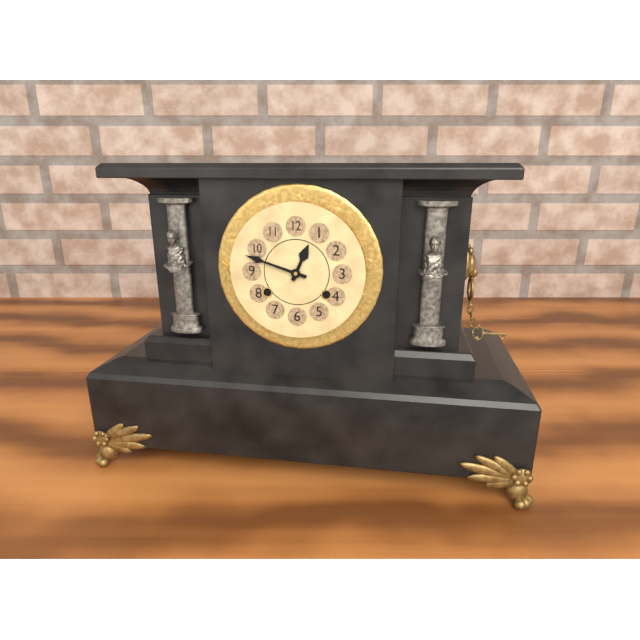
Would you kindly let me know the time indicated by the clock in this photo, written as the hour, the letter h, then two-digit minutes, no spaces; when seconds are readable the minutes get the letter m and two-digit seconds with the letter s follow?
12h48
